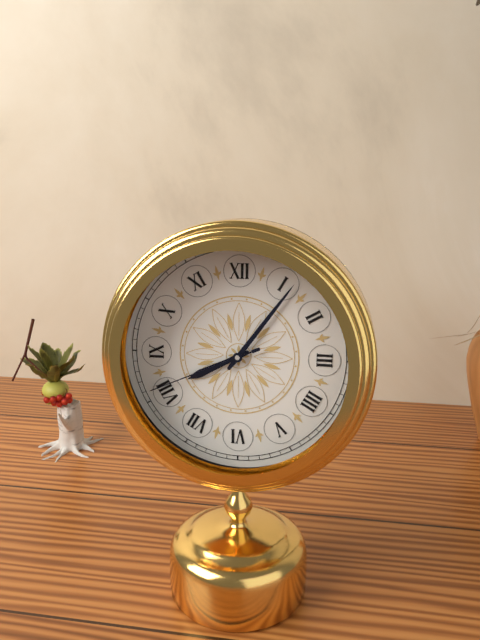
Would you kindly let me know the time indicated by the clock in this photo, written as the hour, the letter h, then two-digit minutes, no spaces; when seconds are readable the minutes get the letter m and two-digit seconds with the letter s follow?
8h06m41s
